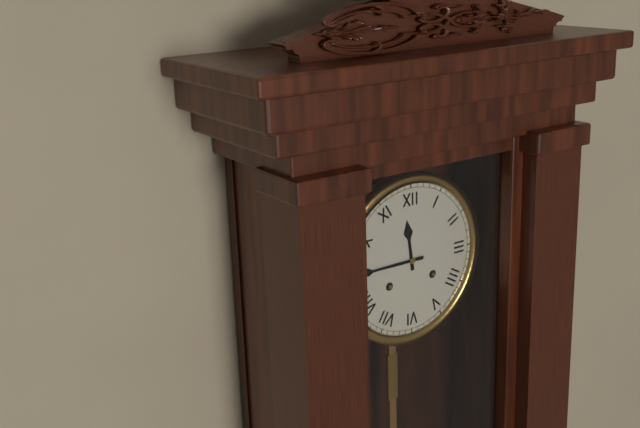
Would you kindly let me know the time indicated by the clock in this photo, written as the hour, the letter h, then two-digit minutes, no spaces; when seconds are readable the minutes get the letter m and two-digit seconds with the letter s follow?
11h45
